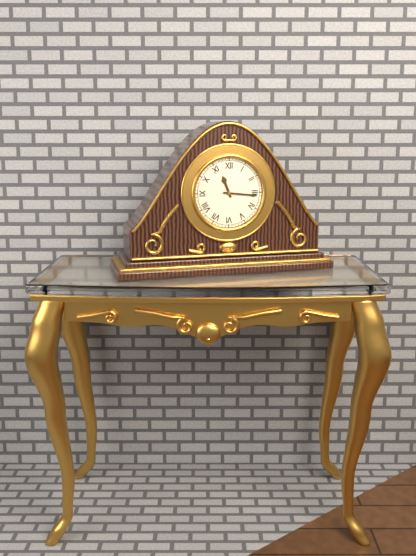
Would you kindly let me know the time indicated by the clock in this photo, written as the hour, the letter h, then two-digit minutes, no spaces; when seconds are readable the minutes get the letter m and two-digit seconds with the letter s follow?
11h16
